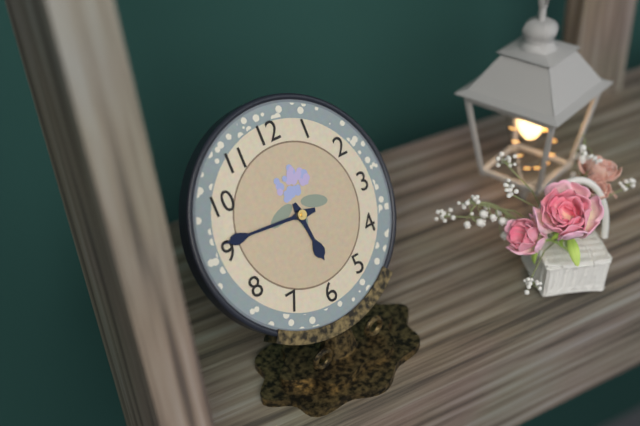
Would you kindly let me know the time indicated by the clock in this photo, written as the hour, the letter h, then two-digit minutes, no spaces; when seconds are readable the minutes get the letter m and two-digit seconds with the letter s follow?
5h46
